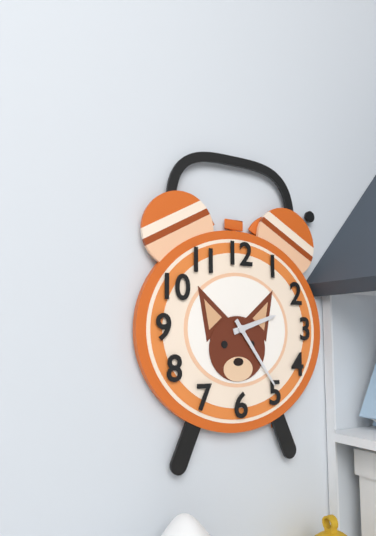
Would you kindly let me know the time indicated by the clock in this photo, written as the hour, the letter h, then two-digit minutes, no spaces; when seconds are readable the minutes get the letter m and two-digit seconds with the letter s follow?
2h24
